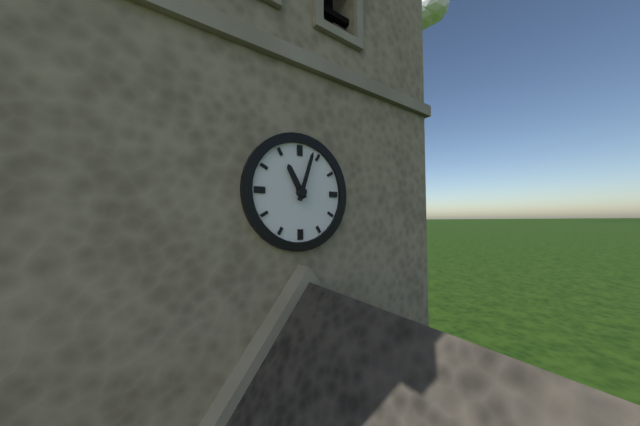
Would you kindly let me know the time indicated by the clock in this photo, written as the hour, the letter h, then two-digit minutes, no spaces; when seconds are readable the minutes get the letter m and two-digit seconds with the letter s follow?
11h03
